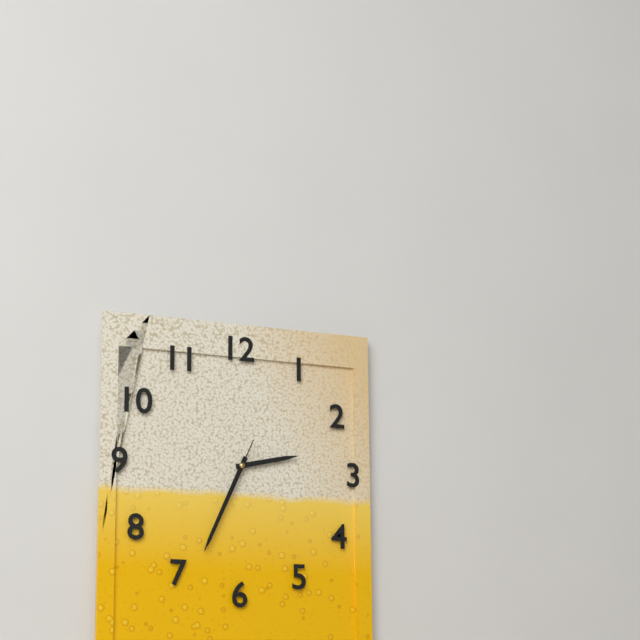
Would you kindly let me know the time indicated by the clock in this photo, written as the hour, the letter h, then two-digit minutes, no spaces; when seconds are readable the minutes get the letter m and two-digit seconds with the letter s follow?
2h34m34s
